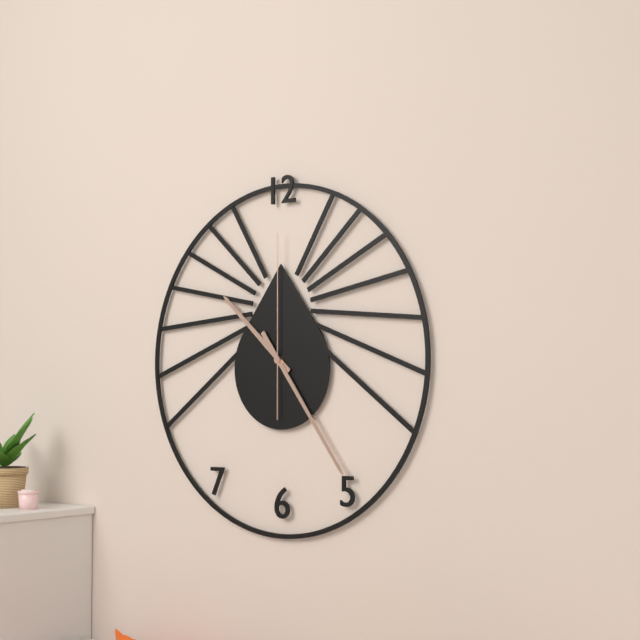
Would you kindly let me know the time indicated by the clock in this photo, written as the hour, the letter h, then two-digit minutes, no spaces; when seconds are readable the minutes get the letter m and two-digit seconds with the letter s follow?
10h24m00s
